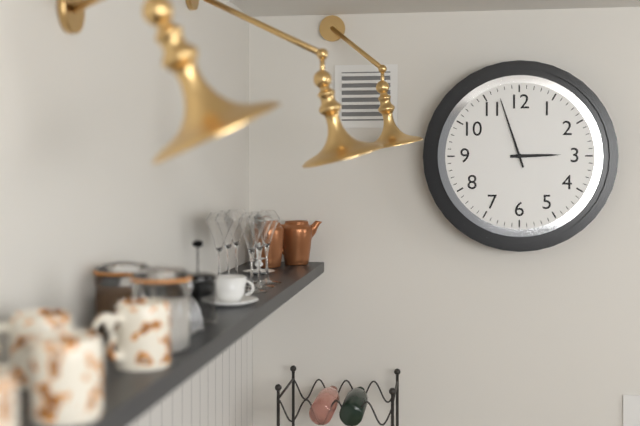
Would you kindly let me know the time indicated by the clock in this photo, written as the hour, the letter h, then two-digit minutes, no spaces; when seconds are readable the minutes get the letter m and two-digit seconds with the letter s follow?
2h57
